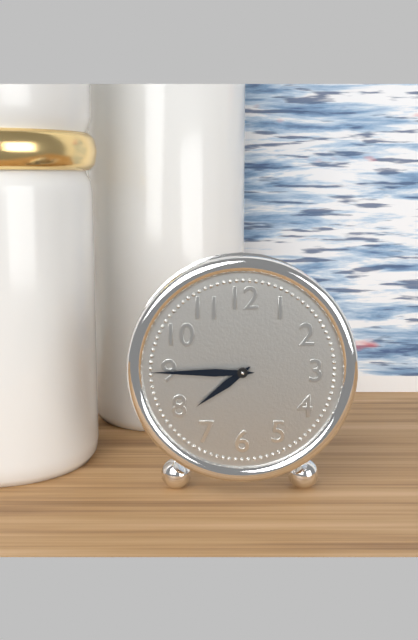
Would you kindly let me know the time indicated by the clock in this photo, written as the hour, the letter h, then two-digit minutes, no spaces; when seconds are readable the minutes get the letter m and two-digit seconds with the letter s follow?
7h45
